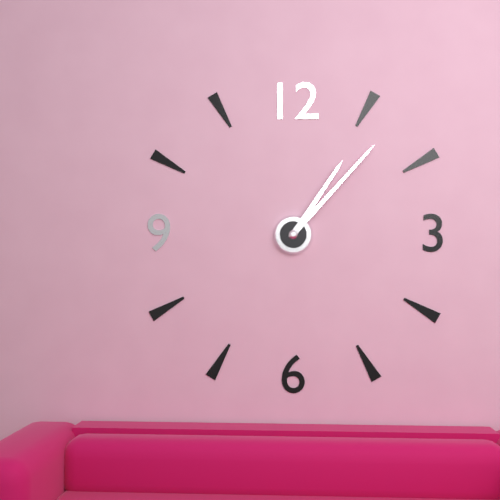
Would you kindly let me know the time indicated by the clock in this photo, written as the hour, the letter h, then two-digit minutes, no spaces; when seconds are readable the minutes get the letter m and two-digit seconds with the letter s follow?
1h07
